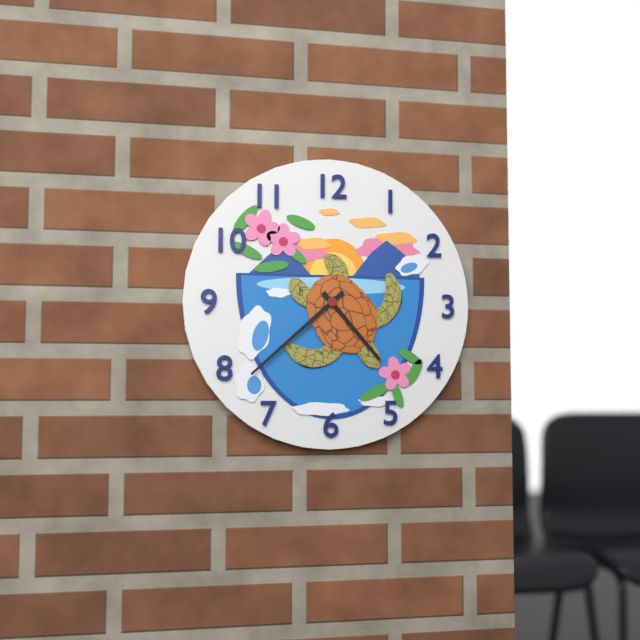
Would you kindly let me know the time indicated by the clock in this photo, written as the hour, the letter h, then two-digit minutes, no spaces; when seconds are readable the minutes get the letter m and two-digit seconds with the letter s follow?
4h38
